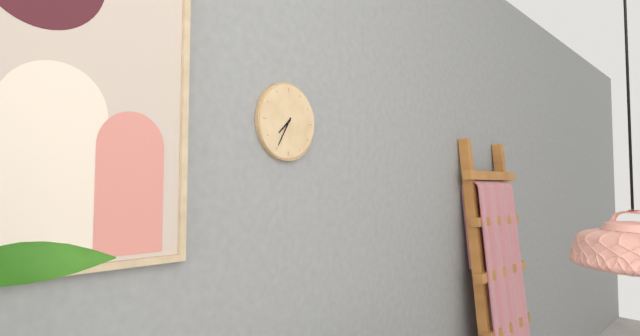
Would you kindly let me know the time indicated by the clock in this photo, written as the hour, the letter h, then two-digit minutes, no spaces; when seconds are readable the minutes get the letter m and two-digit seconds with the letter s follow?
7h35
